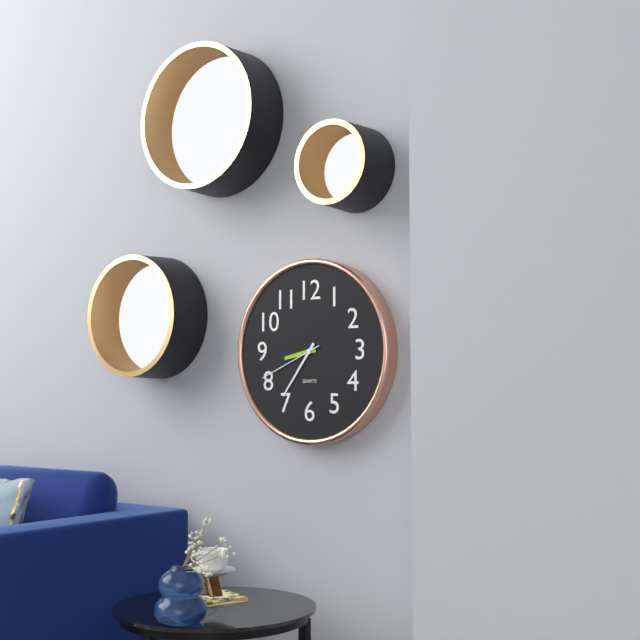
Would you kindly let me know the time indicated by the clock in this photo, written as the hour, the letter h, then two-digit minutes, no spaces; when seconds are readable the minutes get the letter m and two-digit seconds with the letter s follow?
8h36m41s
